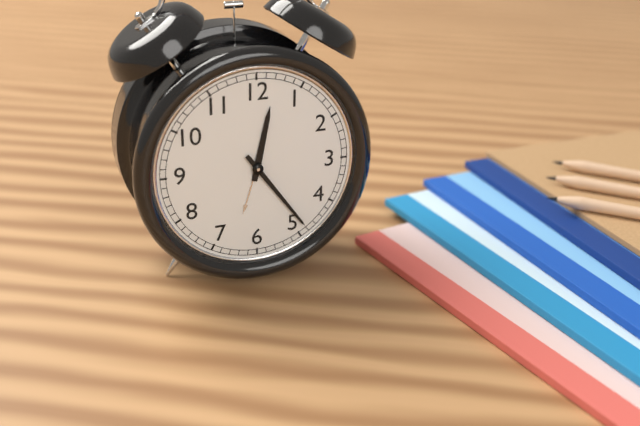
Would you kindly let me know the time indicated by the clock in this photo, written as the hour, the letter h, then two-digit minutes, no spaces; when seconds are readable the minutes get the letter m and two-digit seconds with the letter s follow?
12h24
